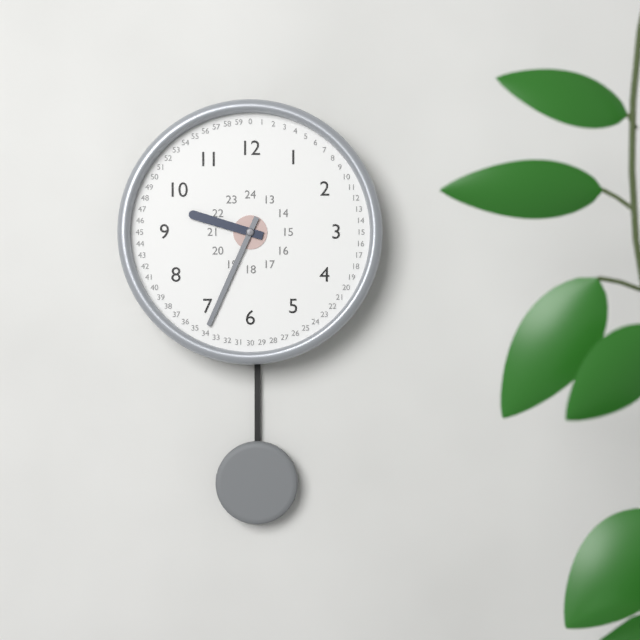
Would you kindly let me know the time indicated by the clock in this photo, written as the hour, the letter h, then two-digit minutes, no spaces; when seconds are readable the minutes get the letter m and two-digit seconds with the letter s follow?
9h34
